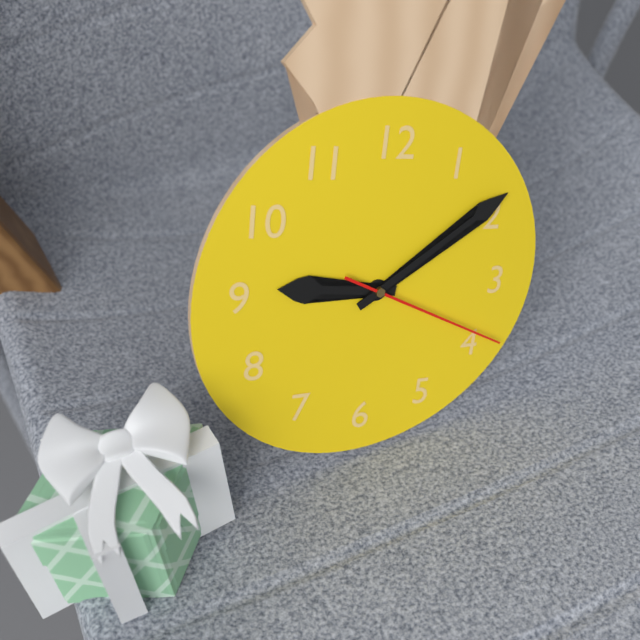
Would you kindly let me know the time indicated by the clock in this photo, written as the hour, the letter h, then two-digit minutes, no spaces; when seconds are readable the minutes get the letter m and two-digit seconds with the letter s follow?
9h09m19s
